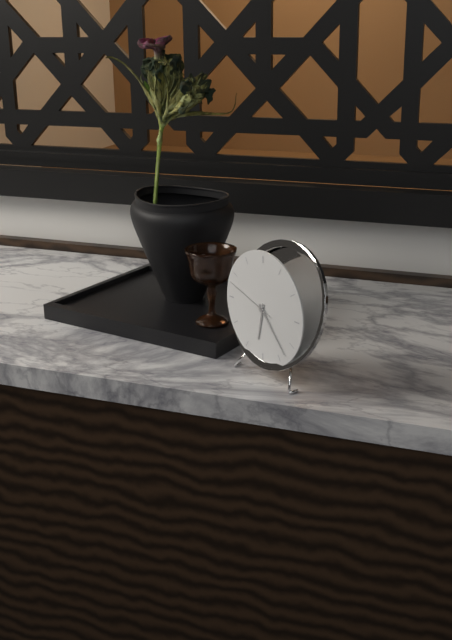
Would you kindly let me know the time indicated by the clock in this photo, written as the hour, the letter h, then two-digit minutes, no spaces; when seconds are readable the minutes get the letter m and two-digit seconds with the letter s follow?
6h23m48s
